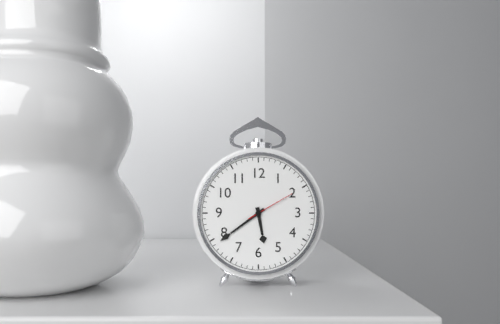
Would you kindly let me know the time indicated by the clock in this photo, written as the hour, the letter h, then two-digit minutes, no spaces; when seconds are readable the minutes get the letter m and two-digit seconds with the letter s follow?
5h39
